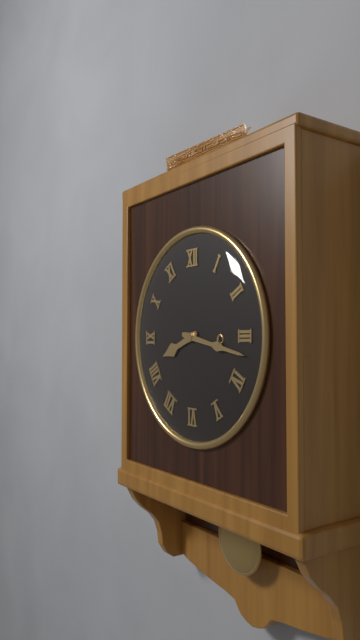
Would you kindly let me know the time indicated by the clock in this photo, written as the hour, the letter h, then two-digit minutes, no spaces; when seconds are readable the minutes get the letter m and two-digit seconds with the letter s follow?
8h17
